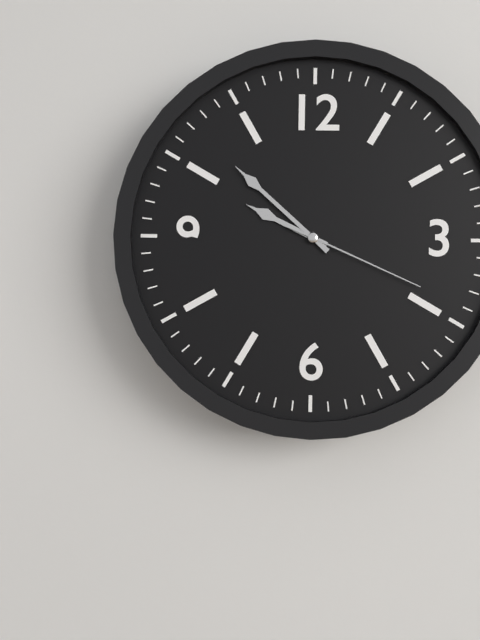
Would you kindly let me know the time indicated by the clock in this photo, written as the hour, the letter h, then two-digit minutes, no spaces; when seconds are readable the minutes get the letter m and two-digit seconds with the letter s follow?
9h52m19s
